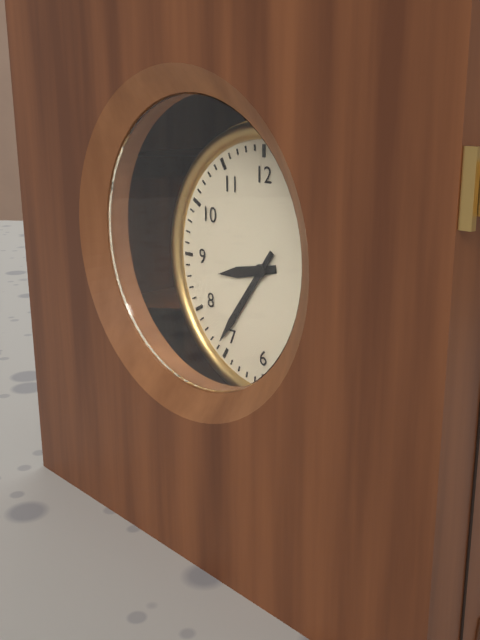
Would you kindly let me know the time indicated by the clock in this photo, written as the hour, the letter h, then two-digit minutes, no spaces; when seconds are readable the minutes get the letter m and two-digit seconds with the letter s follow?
8h36
